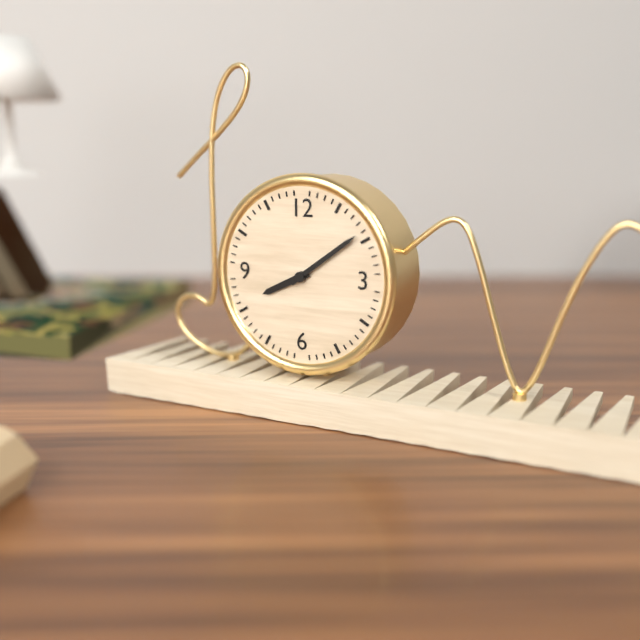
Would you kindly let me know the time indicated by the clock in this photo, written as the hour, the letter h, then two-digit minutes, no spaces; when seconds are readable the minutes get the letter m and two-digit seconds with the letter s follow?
8h09
